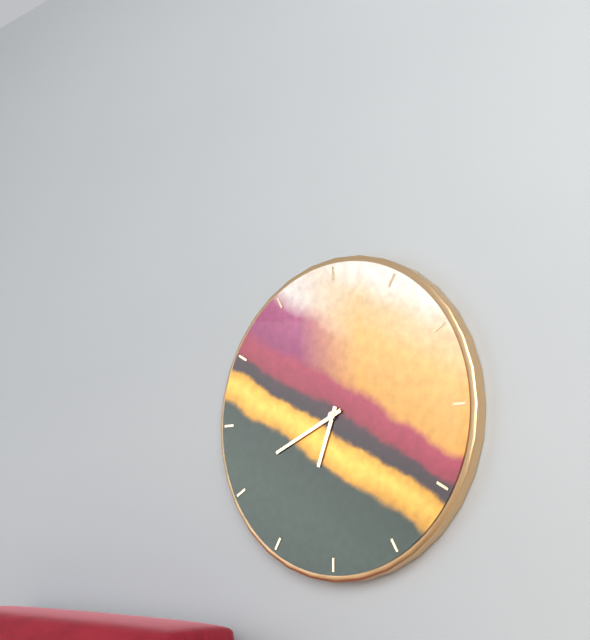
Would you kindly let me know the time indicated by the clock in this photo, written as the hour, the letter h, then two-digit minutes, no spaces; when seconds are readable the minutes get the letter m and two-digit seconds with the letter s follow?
6h41
